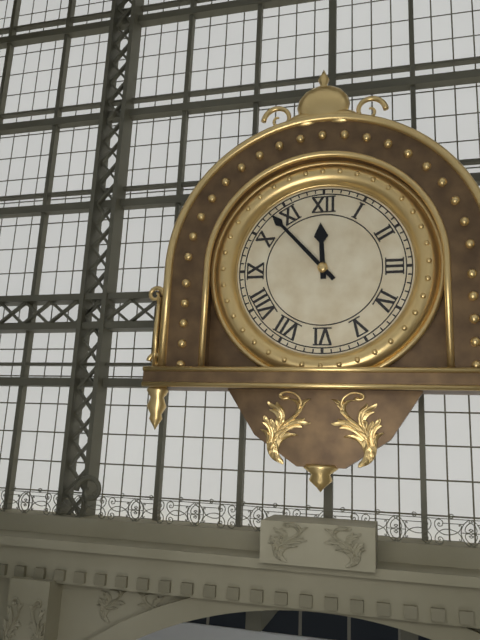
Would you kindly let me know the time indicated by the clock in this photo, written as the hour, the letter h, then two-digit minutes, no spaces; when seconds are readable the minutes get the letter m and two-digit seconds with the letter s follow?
11h53
